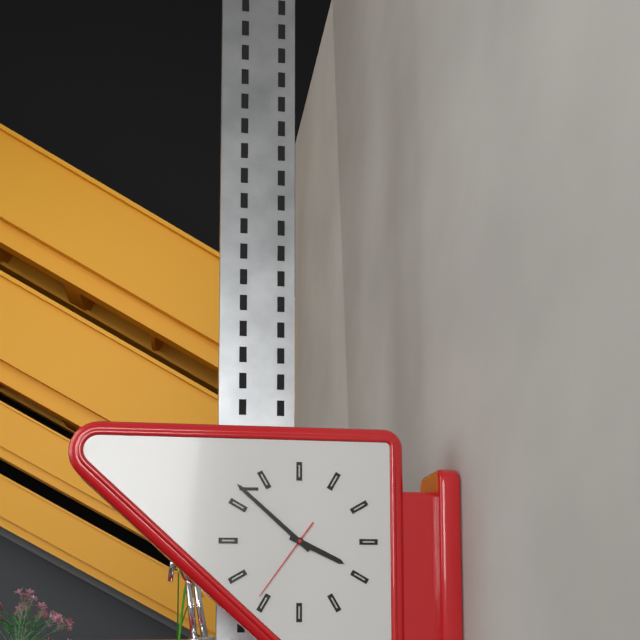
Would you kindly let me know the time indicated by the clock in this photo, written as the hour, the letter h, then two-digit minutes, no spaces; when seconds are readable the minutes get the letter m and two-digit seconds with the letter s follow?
3h52m36s
